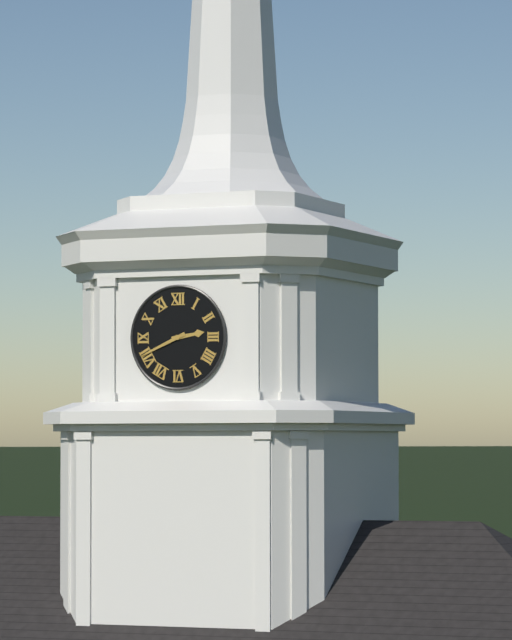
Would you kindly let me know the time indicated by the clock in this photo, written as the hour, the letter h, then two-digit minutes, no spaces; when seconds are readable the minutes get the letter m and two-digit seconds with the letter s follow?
2h41
